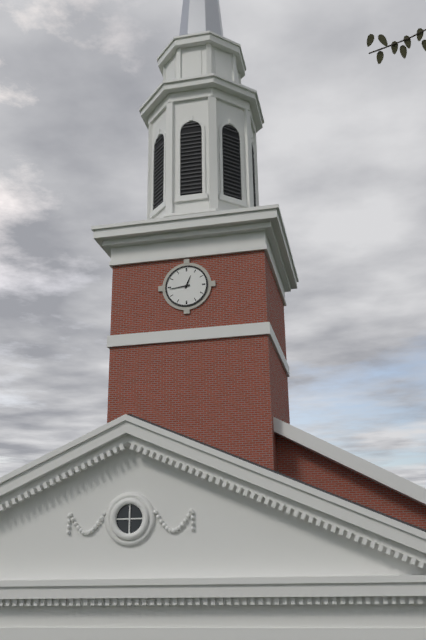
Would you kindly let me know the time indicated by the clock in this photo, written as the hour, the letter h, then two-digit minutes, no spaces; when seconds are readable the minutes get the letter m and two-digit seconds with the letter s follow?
12h44
